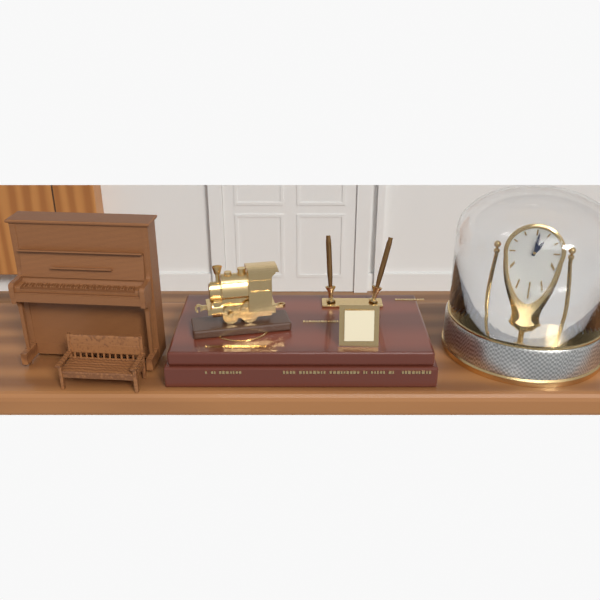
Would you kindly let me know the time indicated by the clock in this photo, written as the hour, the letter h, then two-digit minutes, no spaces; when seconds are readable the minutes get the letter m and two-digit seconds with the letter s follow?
1h01
